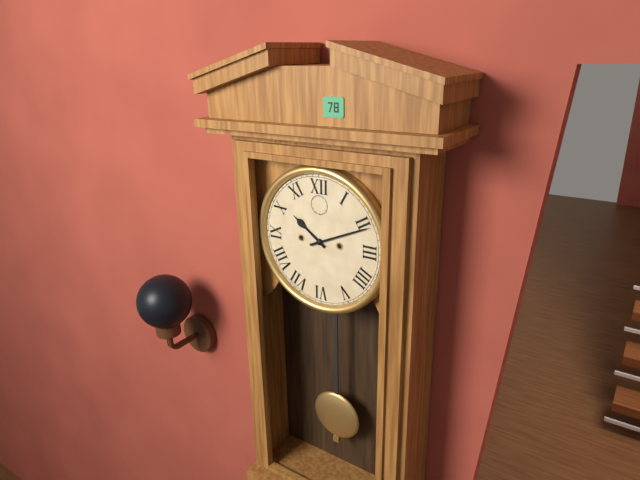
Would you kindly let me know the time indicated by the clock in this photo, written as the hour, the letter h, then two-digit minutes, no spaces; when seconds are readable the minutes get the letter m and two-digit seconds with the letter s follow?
10h11
